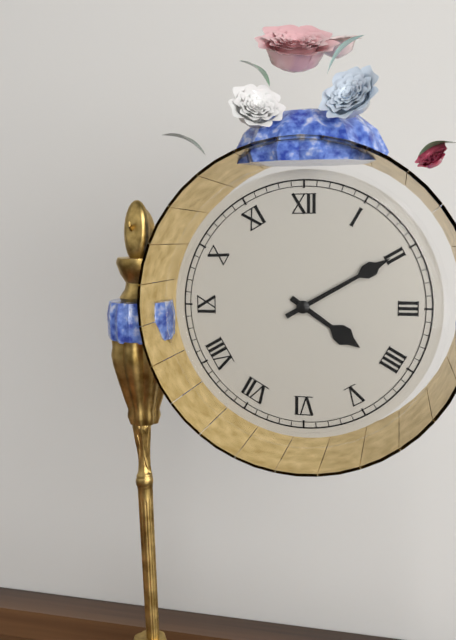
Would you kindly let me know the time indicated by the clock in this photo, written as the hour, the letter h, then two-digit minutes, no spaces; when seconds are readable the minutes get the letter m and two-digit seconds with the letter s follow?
4h10
